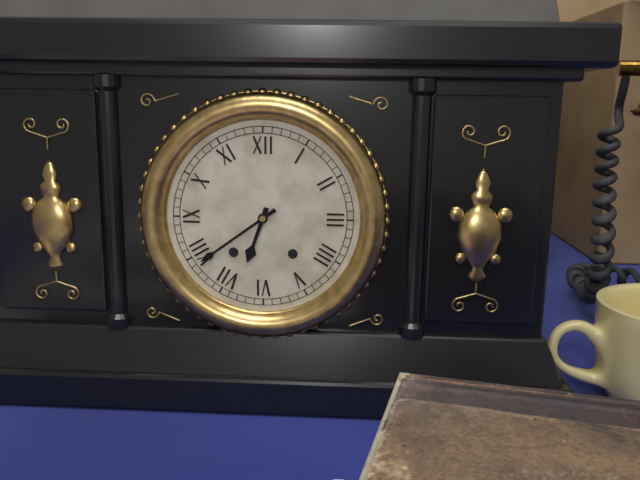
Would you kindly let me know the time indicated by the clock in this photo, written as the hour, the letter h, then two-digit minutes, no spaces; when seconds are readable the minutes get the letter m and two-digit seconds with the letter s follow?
6h39
